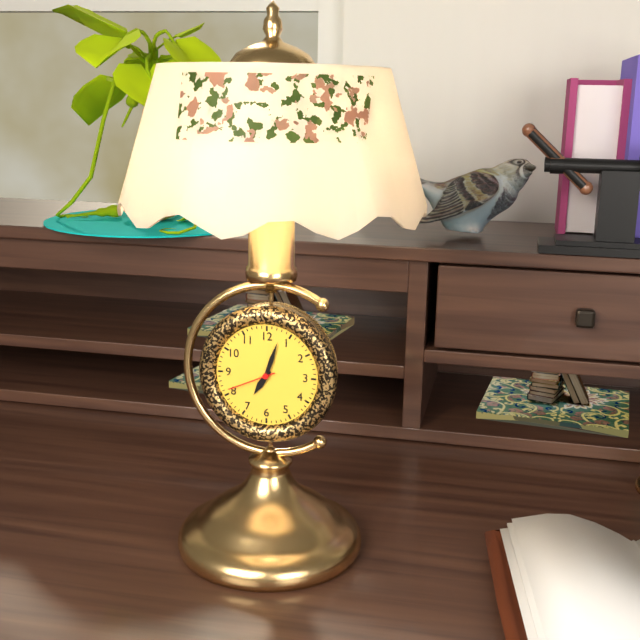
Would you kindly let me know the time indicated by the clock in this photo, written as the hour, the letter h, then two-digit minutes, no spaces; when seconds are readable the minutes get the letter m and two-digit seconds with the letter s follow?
7h03m41s
